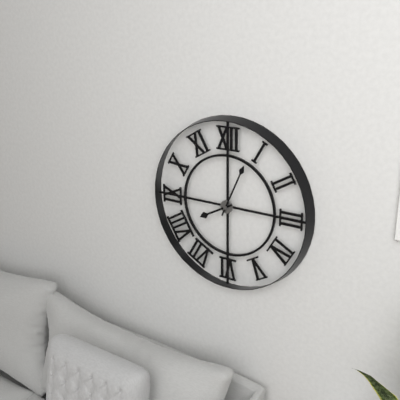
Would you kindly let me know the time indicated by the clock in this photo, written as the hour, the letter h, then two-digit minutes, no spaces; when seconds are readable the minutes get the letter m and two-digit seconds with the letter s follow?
8h04
